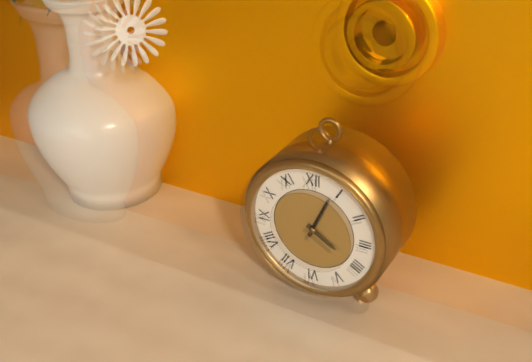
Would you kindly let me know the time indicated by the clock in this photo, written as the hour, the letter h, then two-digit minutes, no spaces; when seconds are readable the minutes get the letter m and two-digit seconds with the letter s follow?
4h04
